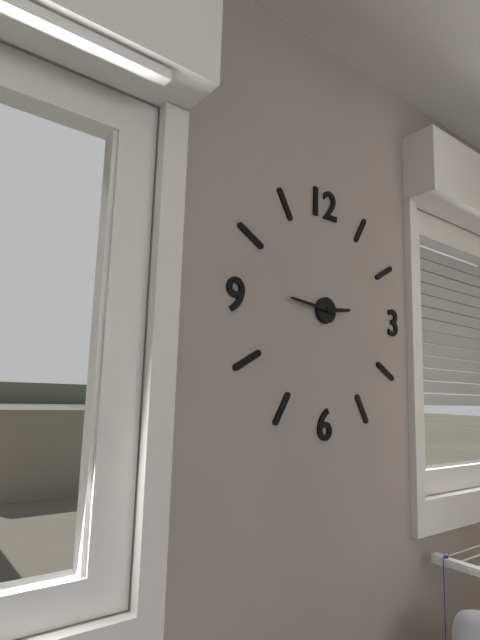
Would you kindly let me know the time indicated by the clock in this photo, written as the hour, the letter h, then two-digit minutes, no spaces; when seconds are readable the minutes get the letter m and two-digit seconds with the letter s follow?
2h46
